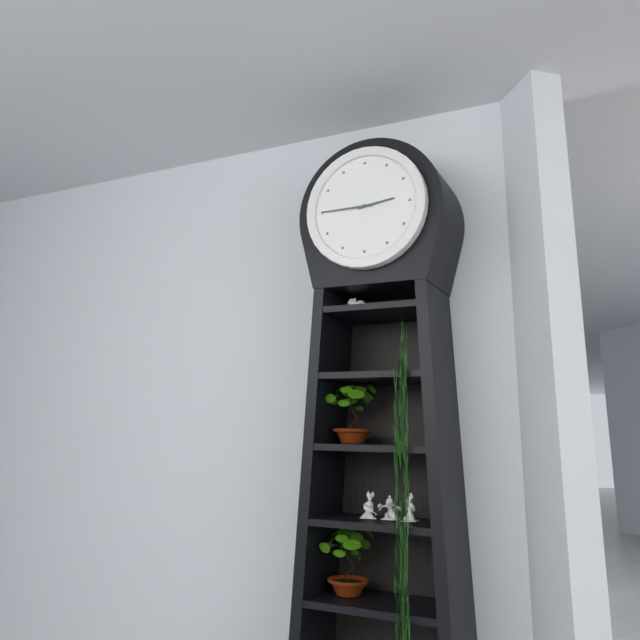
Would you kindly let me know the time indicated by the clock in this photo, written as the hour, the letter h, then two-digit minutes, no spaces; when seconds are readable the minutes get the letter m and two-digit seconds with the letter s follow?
2h45
